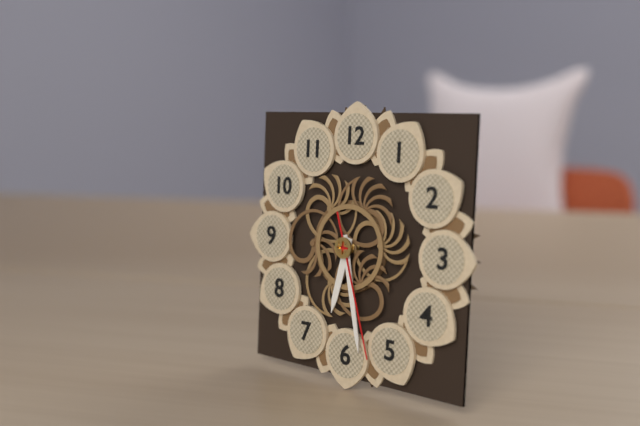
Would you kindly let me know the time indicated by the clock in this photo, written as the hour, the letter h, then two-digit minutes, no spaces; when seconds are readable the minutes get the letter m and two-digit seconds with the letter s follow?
6h28m27s
